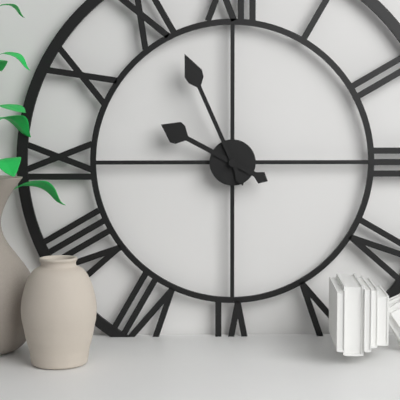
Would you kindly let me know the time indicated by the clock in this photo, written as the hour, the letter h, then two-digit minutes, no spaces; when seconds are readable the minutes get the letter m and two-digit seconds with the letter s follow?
9h56
